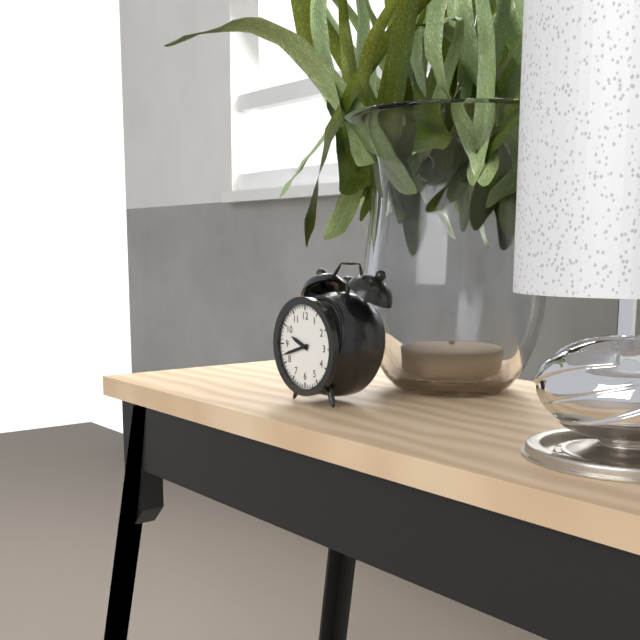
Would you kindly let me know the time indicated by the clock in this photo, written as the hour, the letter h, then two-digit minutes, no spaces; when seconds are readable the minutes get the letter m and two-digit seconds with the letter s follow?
9h42
